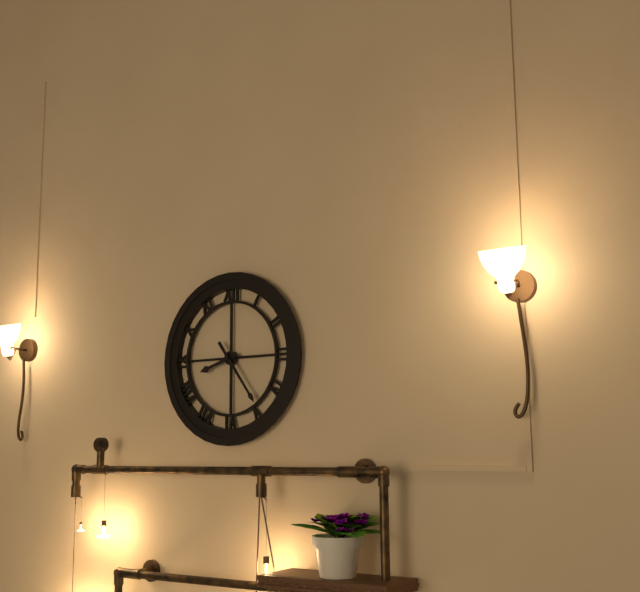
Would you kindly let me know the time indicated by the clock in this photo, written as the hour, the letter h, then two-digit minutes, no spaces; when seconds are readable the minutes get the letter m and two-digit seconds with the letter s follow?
8h24
